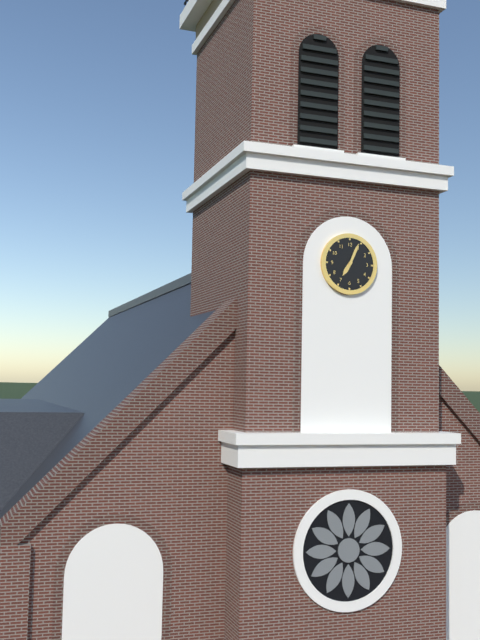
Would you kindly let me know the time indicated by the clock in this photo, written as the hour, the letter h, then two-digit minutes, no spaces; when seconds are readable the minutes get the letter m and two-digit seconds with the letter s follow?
7h04
